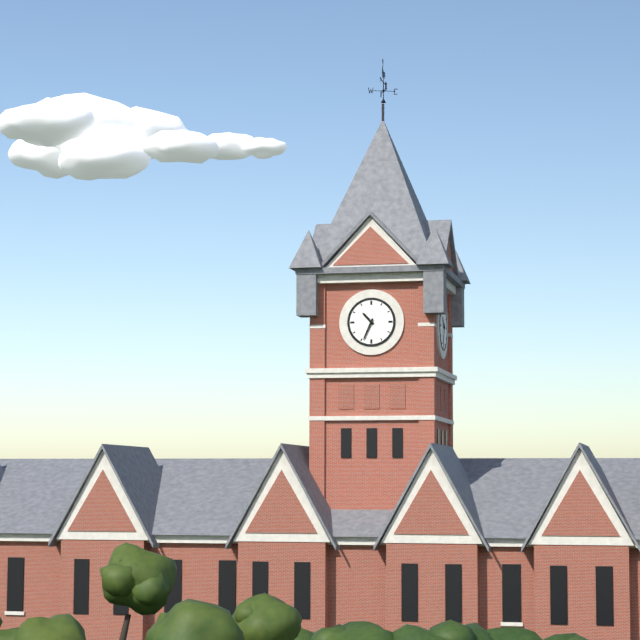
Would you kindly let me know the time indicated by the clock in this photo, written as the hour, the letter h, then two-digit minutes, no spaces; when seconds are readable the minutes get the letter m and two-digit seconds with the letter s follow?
10h34
